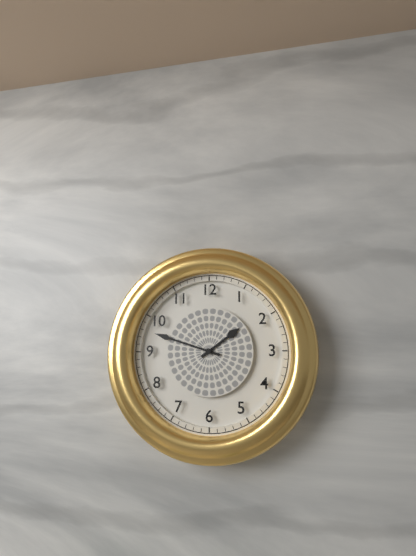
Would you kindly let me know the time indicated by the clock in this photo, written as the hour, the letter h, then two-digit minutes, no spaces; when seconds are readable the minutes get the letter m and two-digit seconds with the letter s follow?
1h48
